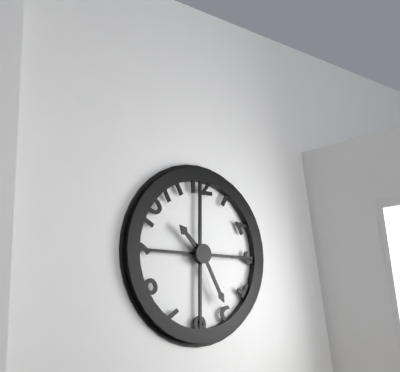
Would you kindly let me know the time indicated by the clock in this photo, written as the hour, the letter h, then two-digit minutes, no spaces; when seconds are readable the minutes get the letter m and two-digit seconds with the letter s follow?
10h25
